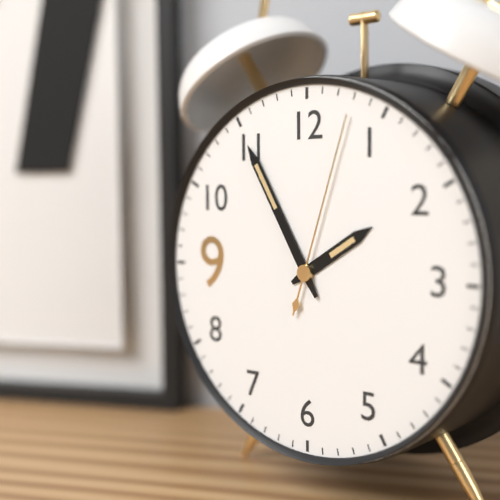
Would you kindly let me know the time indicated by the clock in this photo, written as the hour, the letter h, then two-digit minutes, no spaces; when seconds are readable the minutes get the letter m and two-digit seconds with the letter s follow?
1h55m03s
